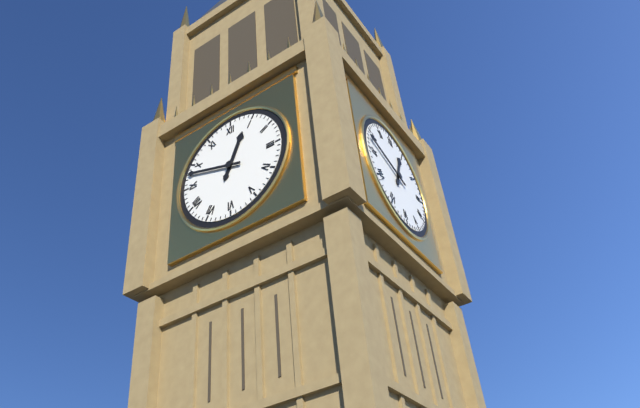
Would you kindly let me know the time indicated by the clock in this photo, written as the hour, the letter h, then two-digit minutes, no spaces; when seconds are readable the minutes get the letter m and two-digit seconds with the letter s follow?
12h48
